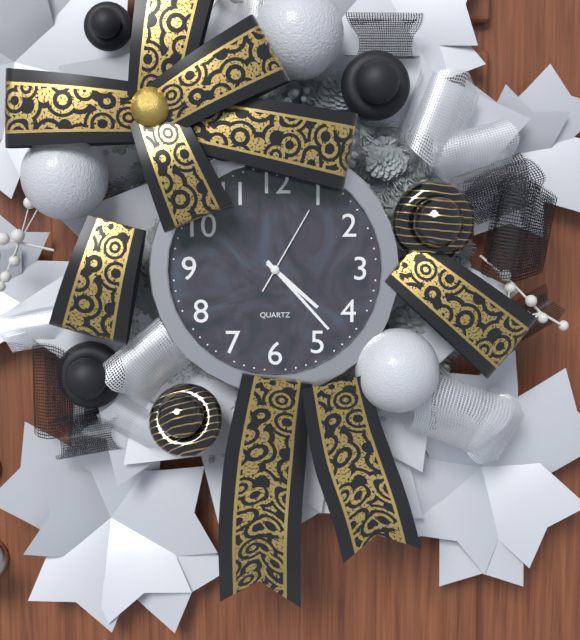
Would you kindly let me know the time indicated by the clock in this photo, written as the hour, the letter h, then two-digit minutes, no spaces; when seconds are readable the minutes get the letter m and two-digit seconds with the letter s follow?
4h23m05s
